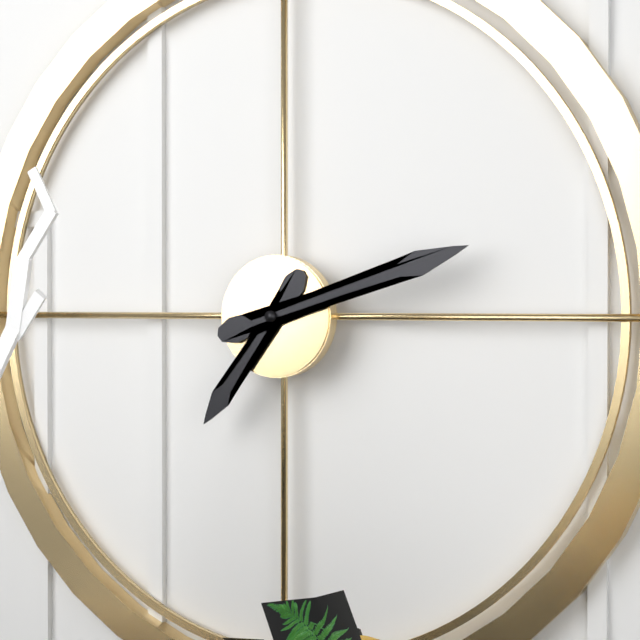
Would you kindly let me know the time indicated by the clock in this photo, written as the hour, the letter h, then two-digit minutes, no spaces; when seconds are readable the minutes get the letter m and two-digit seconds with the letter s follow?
7h12
